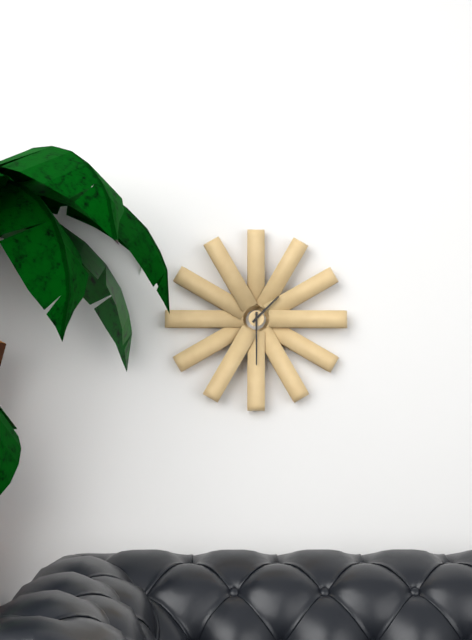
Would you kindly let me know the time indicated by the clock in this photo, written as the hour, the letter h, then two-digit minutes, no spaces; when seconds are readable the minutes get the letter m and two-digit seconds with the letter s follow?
1h30
